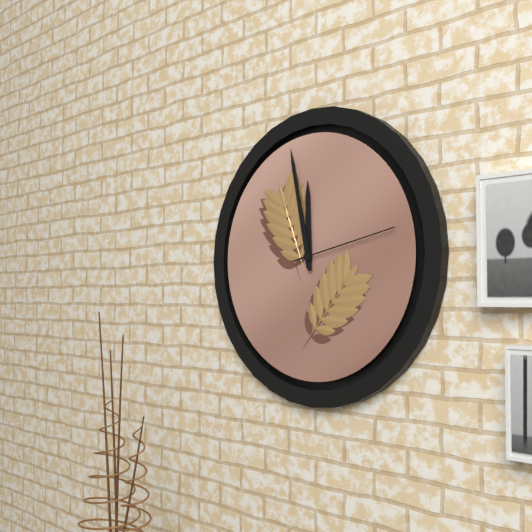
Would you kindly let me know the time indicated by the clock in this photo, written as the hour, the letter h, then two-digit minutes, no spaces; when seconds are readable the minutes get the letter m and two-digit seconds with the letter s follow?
11h58m13s
